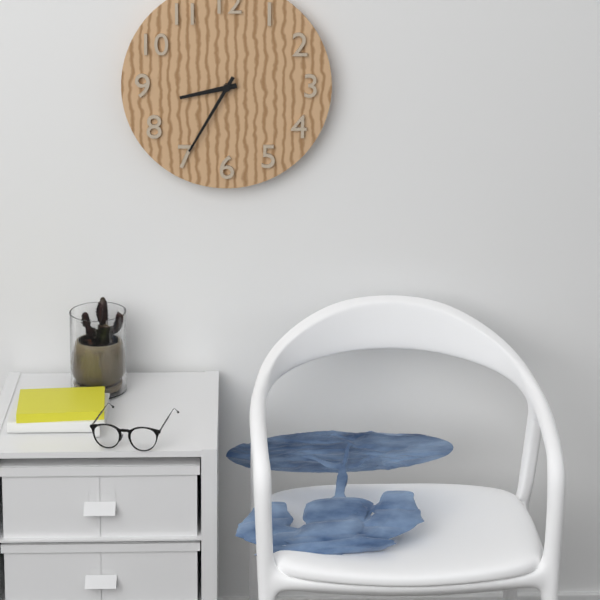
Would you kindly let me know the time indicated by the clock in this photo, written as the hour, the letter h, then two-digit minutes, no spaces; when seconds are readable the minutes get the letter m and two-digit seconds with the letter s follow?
8h35
